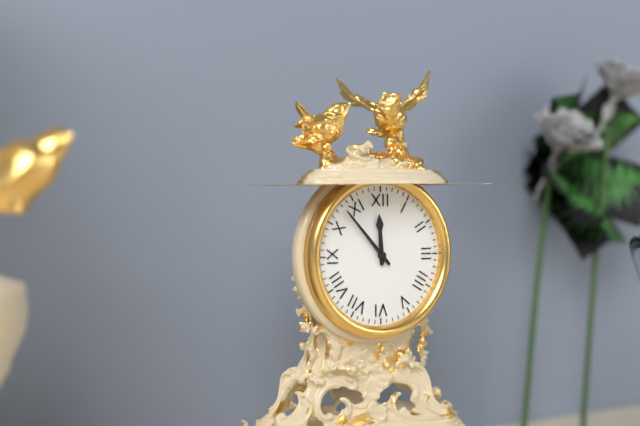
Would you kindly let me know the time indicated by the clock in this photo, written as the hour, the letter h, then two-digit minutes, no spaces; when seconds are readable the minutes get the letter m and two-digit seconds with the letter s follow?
11h53
